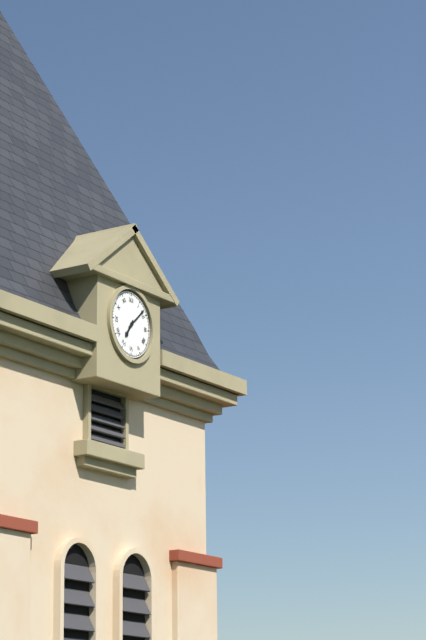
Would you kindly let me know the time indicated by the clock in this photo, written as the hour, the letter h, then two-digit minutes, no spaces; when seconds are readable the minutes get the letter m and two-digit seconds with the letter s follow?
7h08
